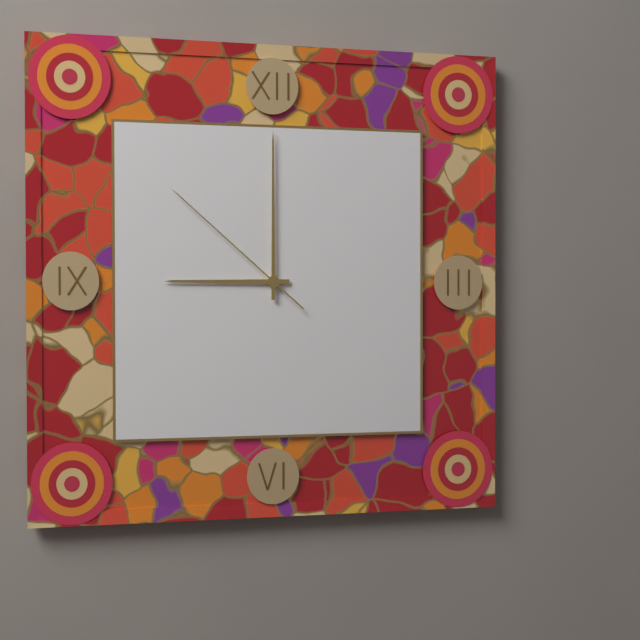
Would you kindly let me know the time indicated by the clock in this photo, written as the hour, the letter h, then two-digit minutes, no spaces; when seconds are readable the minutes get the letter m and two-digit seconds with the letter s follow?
9h00m52s
